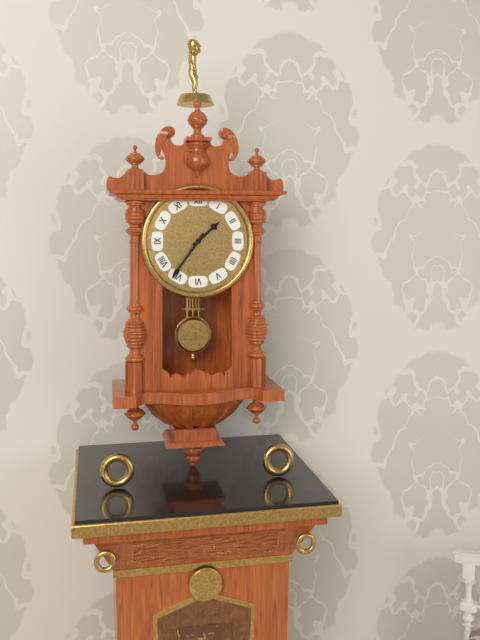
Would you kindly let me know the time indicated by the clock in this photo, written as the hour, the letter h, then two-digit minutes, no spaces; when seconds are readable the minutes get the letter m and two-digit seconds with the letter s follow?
1h36
